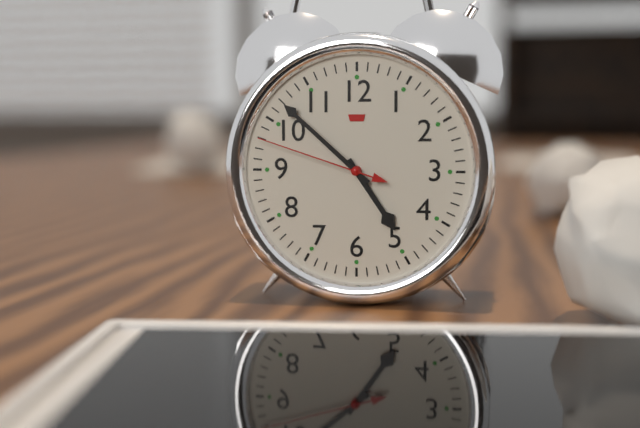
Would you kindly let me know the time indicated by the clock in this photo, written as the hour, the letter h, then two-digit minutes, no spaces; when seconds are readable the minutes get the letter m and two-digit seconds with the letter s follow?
4h52m48s
